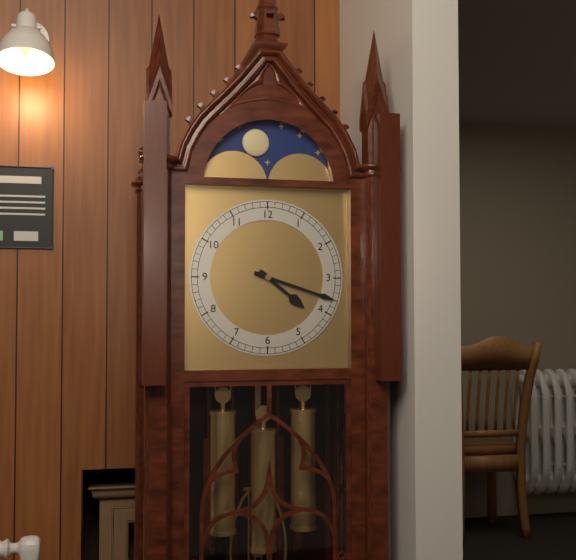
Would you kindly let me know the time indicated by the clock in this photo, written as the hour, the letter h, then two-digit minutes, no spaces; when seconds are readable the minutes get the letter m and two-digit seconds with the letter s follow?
4h18
